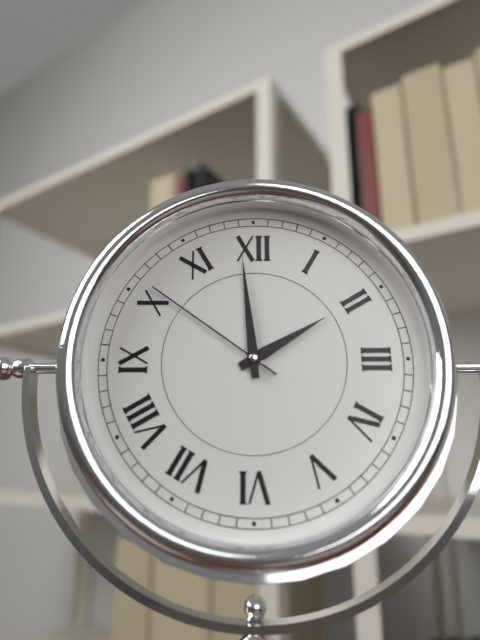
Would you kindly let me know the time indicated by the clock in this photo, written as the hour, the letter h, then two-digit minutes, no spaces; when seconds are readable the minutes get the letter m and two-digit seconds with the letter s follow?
1h59m51s
